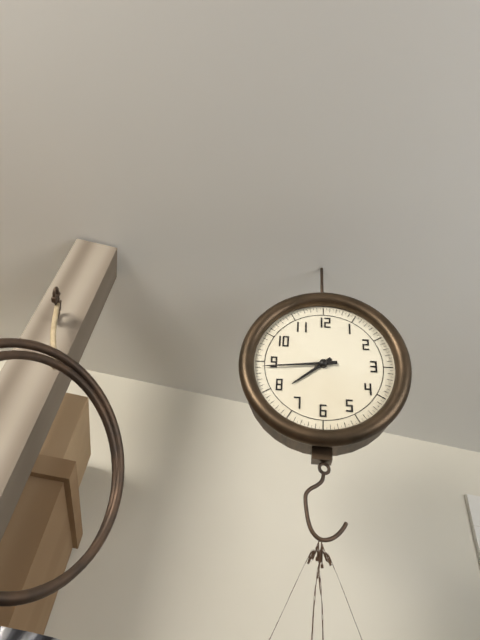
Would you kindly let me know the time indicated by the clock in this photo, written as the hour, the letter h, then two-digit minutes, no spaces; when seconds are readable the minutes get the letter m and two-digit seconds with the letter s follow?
7h44
